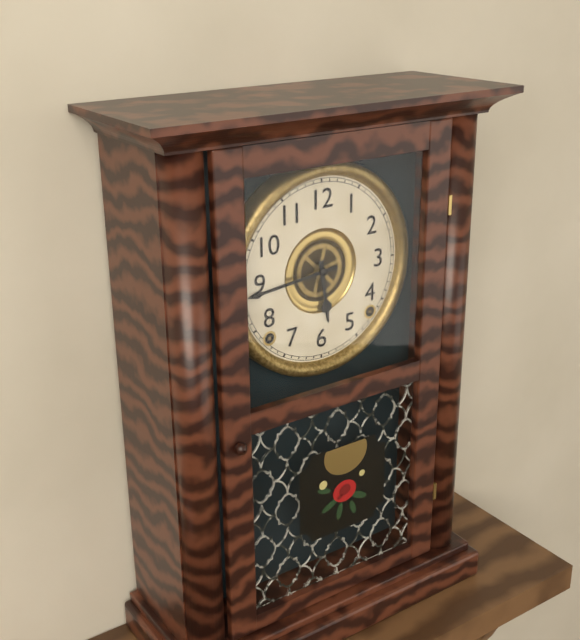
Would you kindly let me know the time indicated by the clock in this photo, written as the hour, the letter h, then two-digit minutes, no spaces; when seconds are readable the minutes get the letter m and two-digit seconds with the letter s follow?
5h44
